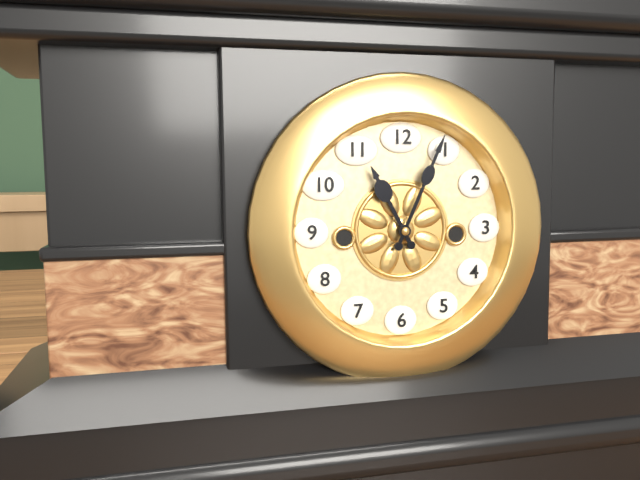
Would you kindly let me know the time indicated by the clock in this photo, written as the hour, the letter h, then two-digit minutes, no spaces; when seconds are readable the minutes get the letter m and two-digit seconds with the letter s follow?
11h04
